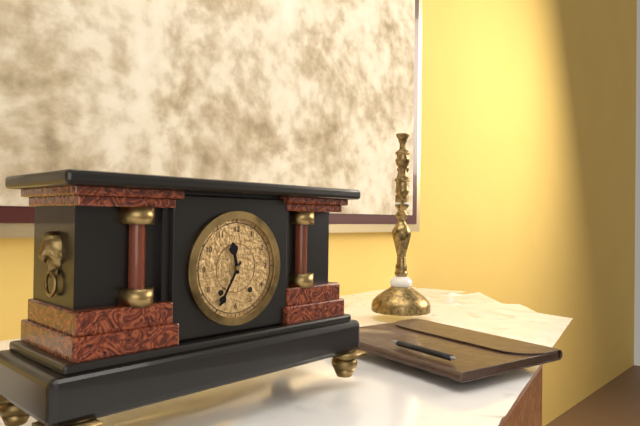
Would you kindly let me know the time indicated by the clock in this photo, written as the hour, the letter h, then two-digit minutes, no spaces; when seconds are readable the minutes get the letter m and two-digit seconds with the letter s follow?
11h35
